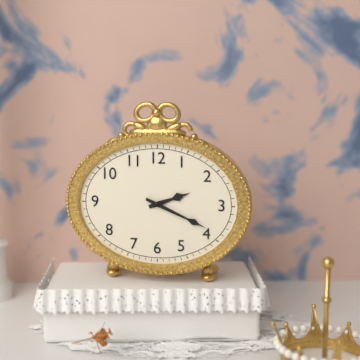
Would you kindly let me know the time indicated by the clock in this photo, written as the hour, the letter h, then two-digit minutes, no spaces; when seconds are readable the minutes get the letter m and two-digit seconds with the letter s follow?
2h19
